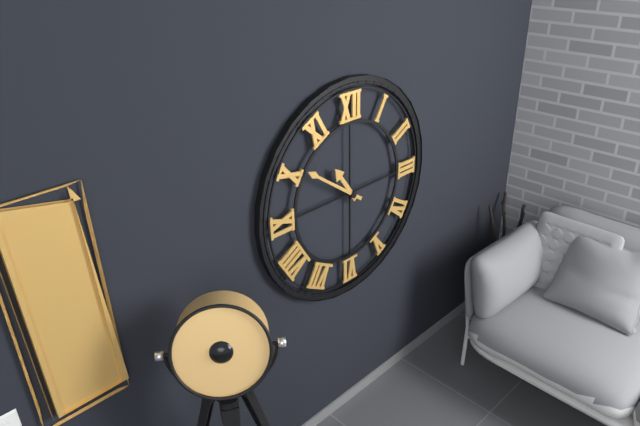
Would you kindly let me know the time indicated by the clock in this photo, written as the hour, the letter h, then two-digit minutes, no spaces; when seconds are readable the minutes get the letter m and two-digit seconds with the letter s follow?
10h51
